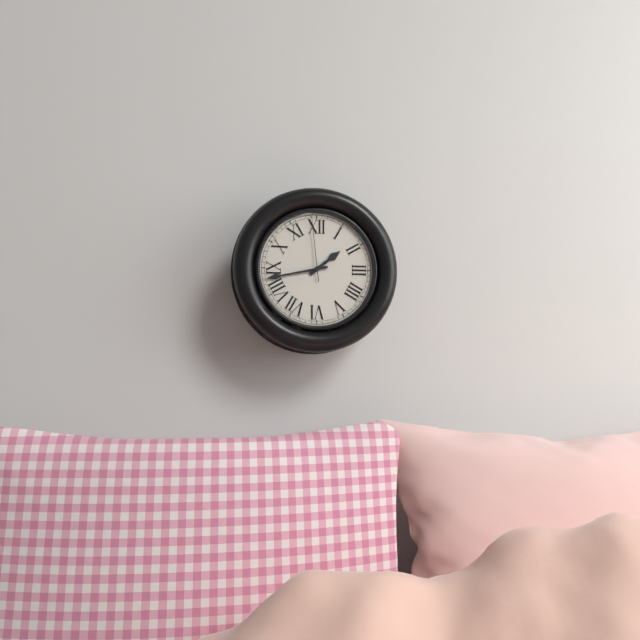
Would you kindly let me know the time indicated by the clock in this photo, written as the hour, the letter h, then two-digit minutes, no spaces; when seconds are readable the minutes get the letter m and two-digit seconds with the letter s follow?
1h43m59s
